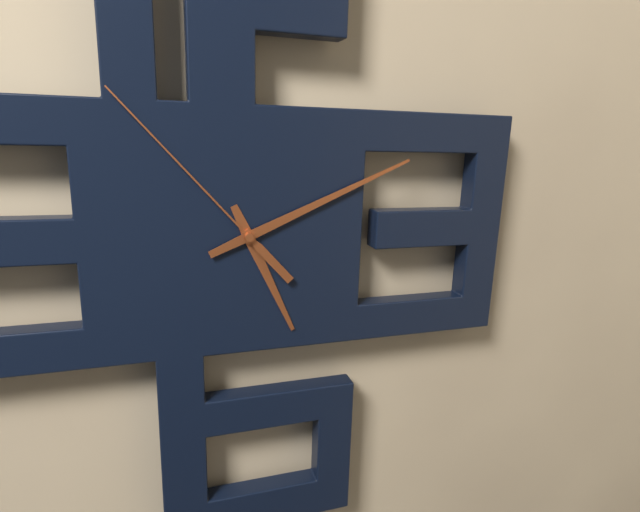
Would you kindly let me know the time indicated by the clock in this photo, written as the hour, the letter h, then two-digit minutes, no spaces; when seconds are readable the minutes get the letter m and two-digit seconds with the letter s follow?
5h11m53s
